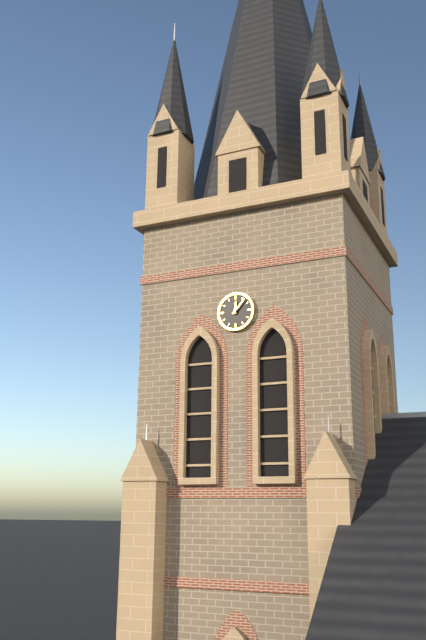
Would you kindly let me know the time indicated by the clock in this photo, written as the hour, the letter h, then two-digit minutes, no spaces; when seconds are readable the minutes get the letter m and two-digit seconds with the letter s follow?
12h07
